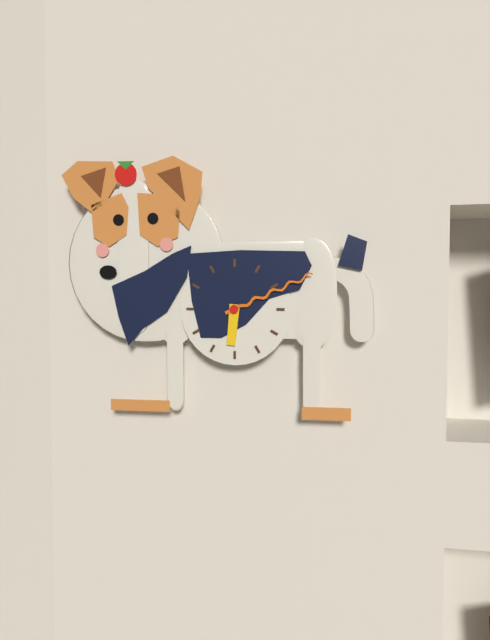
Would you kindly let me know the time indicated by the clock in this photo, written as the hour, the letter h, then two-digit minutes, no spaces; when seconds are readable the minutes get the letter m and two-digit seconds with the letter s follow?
6h11
